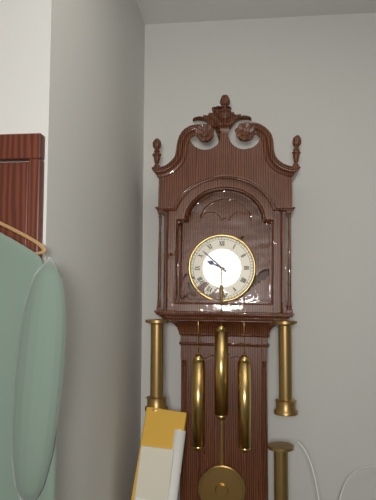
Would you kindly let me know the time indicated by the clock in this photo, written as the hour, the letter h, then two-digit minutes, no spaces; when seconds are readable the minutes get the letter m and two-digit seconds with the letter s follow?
9h52
